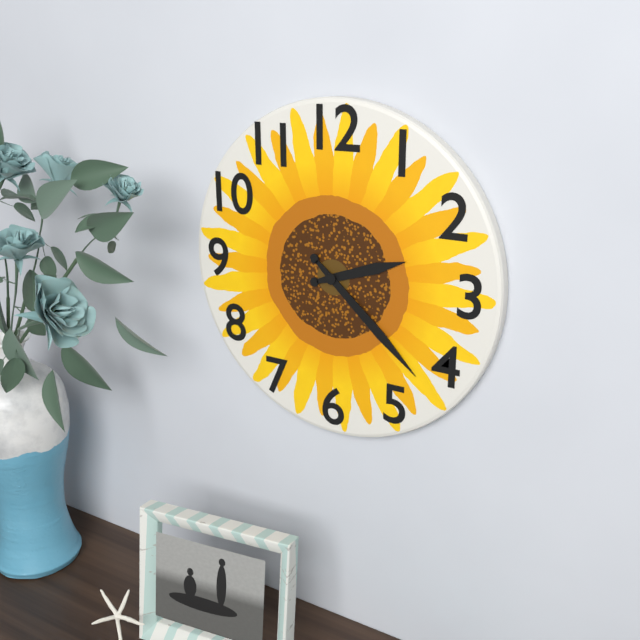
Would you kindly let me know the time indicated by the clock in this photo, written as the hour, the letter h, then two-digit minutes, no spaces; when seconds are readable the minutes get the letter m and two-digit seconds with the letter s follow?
2h22
